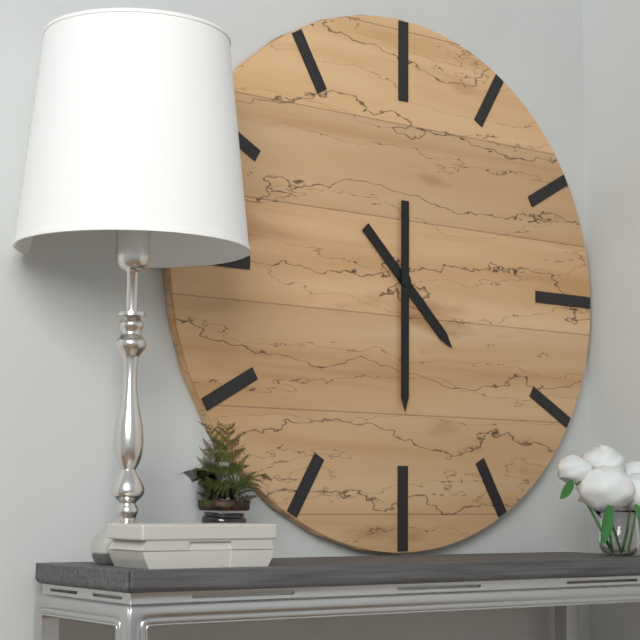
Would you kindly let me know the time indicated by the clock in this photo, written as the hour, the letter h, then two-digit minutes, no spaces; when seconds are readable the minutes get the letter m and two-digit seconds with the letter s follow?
4h30
